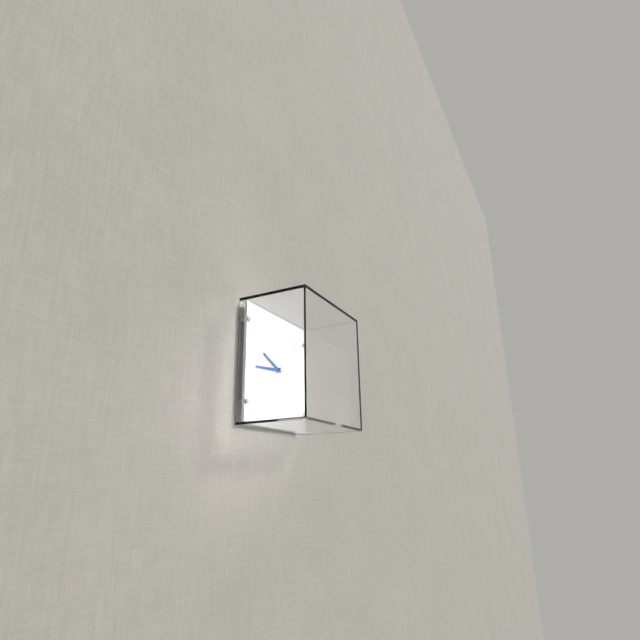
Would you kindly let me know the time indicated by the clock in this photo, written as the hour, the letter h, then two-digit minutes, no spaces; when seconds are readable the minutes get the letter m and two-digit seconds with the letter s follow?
9h44
